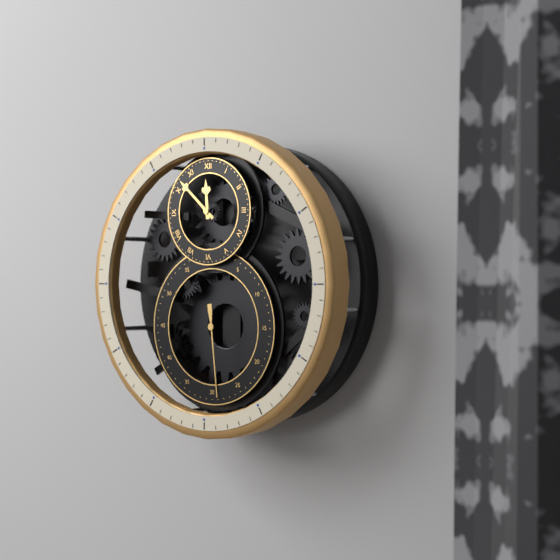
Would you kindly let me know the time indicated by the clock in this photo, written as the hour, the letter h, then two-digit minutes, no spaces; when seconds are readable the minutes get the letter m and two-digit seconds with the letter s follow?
11h52m29s
